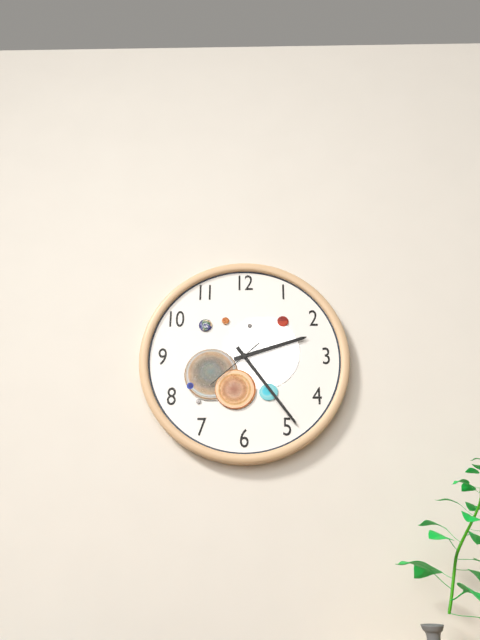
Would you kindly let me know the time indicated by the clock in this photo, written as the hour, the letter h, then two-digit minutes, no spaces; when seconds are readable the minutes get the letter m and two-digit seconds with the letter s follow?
2h24m38s
